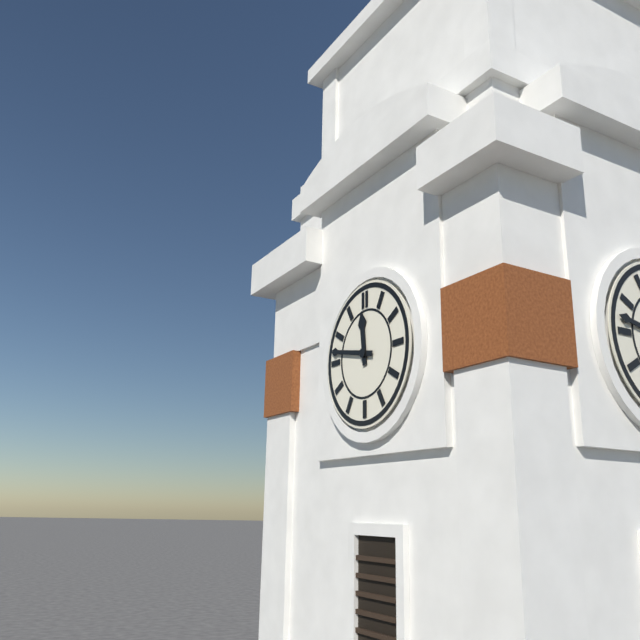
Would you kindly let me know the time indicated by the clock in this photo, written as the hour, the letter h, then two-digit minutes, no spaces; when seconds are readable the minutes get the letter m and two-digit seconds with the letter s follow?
11h47
